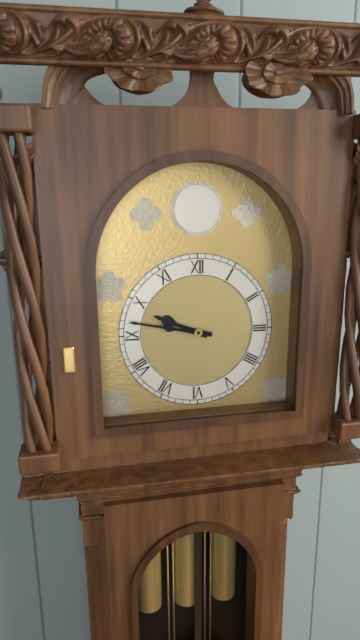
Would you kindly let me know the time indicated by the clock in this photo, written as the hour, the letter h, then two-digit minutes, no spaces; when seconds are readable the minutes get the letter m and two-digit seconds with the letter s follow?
9h47
